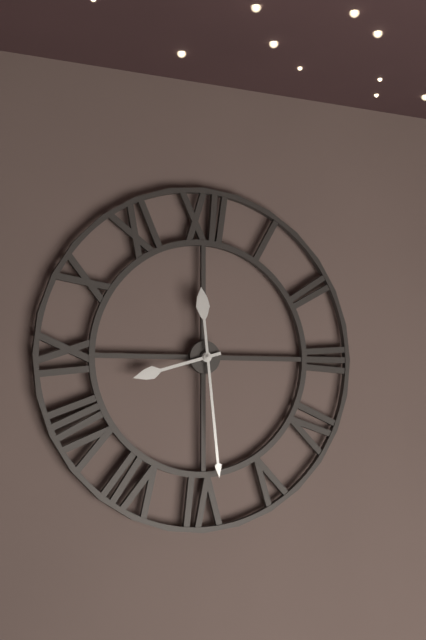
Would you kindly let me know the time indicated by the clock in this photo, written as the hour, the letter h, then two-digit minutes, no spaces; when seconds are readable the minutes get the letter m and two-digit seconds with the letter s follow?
8h29
